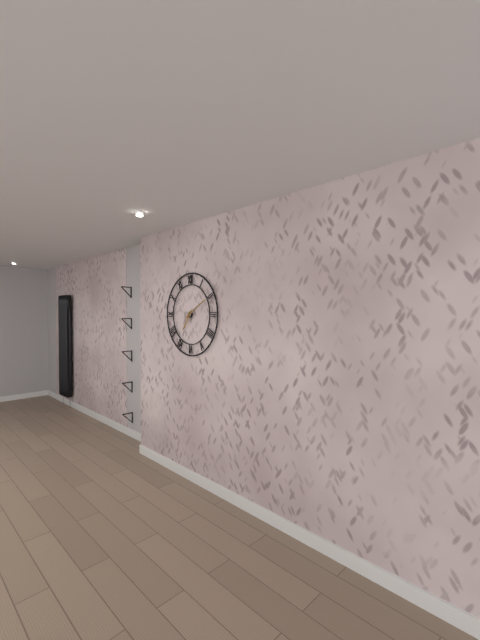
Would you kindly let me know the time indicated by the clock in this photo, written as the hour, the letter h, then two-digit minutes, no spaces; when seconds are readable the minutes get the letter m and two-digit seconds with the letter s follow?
7h10
